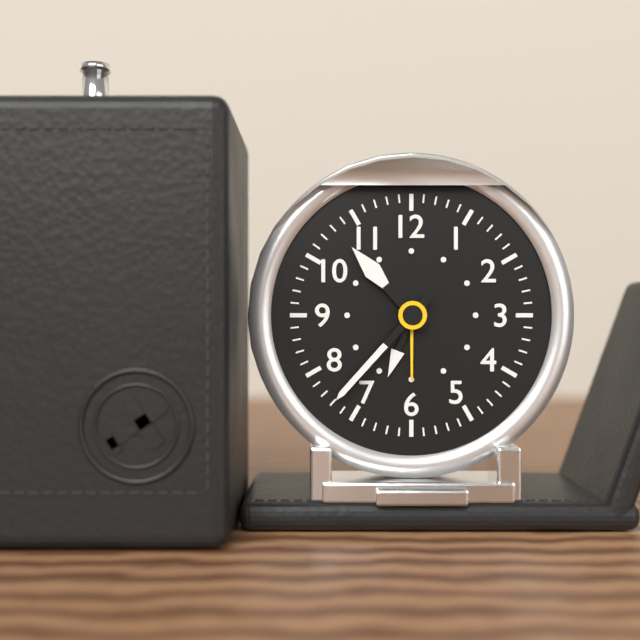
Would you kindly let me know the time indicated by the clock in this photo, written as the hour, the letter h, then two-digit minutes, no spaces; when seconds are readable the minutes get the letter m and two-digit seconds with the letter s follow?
10h37
